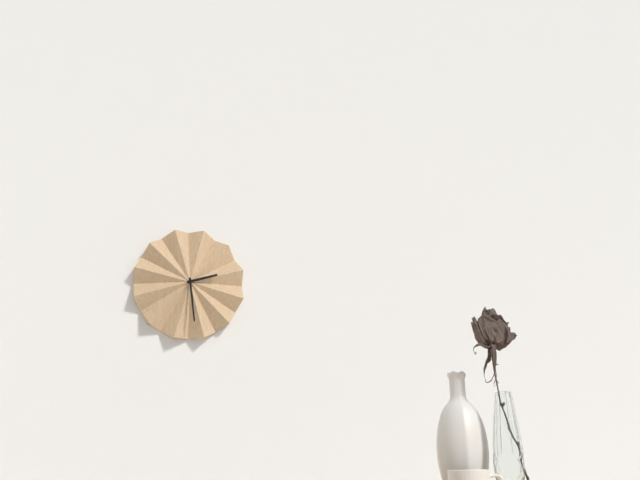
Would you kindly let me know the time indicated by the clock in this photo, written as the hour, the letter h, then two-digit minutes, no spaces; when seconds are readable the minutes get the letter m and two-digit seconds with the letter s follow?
2h29
